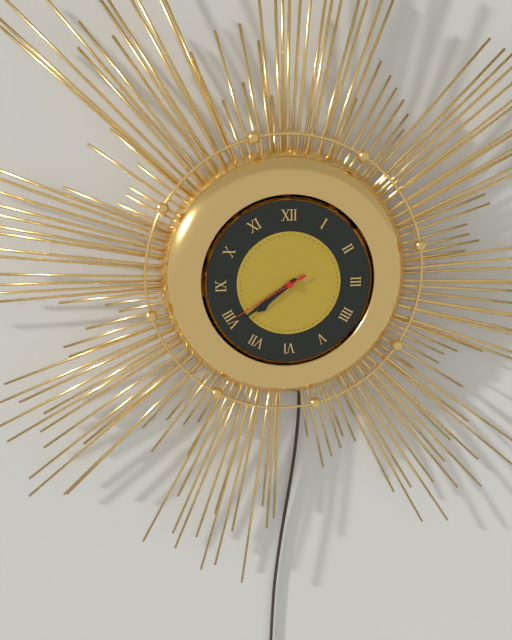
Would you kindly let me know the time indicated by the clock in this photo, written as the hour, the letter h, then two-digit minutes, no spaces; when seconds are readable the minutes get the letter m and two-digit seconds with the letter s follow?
7h39m40s
